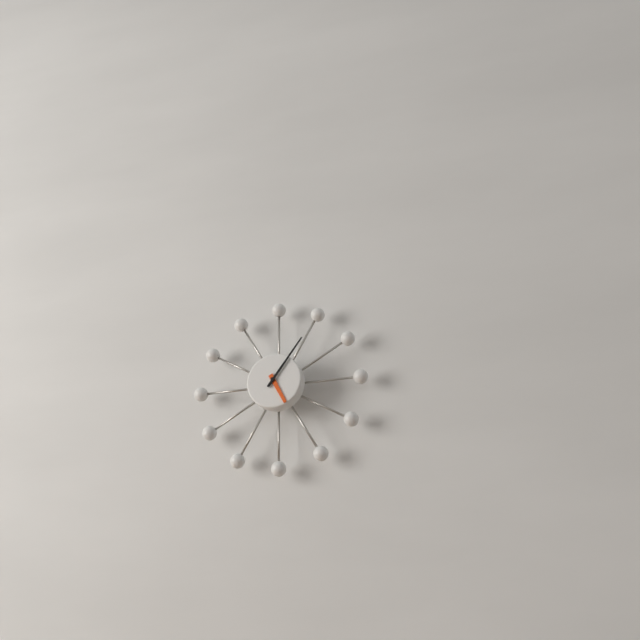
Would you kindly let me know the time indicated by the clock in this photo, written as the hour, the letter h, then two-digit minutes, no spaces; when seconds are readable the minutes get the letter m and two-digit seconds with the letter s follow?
5h06
